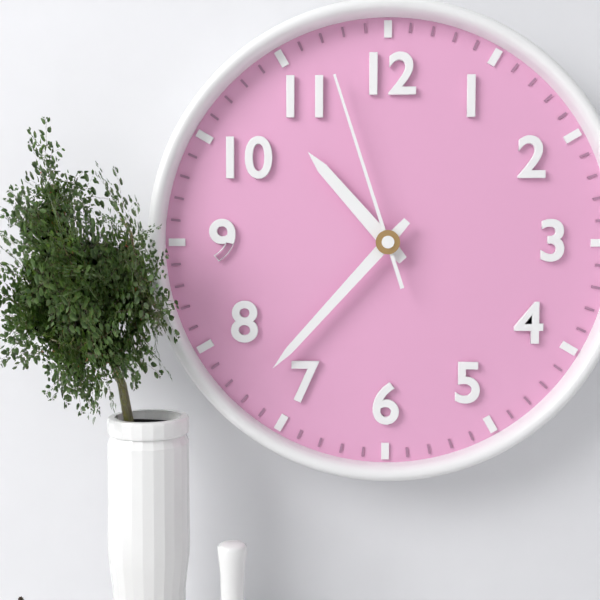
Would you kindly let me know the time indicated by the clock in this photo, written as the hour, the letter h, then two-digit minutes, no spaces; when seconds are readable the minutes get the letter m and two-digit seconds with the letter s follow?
10h37m57s
